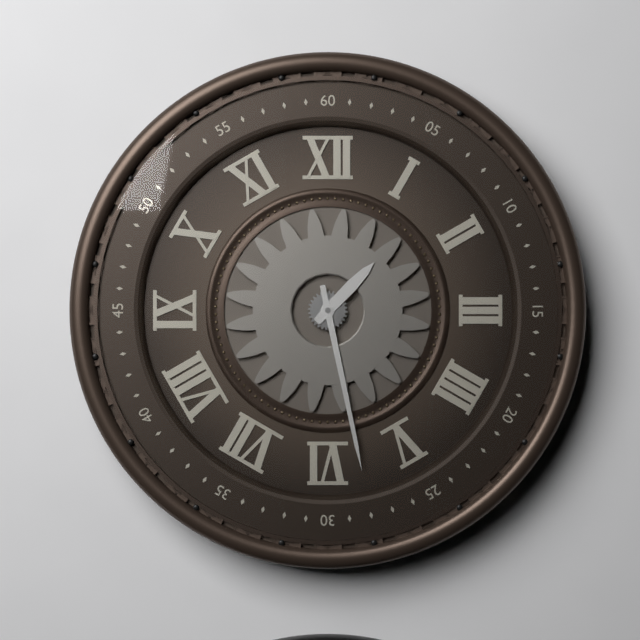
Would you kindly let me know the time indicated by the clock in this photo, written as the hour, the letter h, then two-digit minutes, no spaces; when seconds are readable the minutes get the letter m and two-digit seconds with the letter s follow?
1h28
